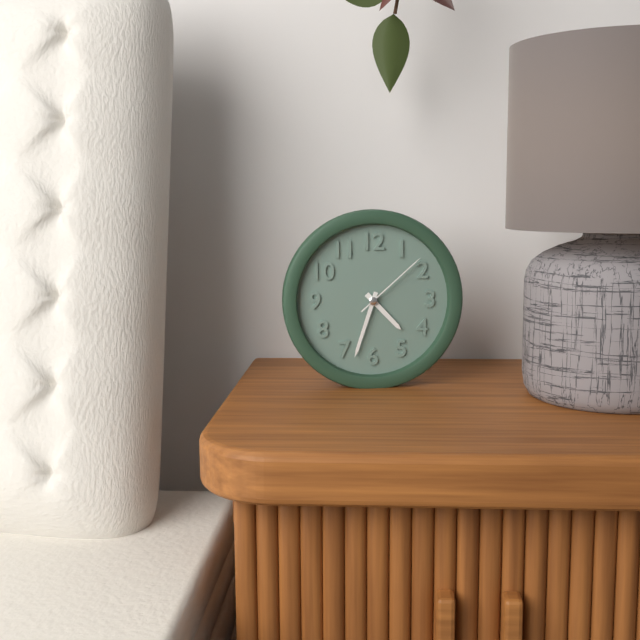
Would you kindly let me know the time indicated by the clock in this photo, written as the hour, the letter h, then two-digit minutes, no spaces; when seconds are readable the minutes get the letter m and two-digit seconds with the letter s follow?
4h33m08s
